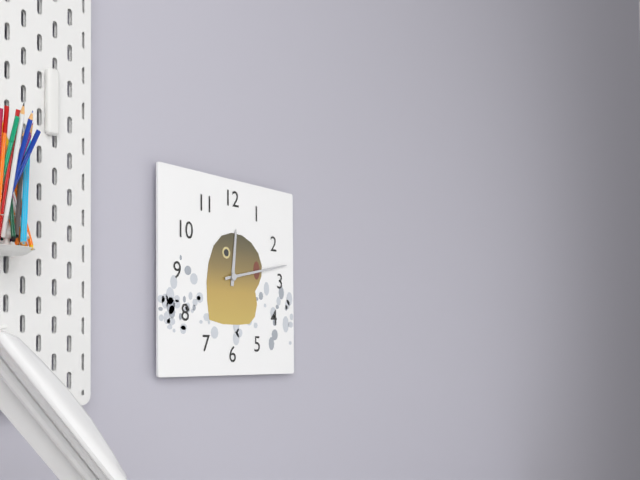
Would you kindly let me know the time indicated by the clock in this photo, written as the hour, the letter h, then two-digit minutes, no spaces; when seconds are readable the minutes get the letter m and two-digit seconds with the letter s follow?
12h13
